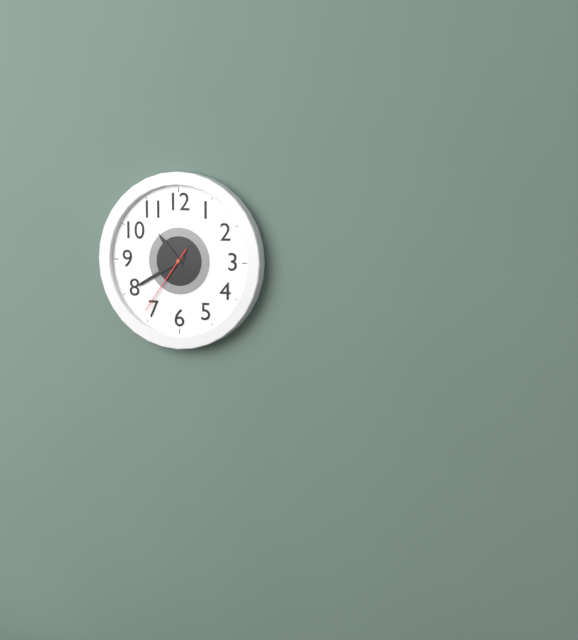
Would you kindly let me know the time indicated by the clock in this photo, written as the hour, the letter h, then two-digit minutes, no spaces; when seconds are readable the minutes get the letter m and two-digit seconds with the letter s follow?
10h40m36s
